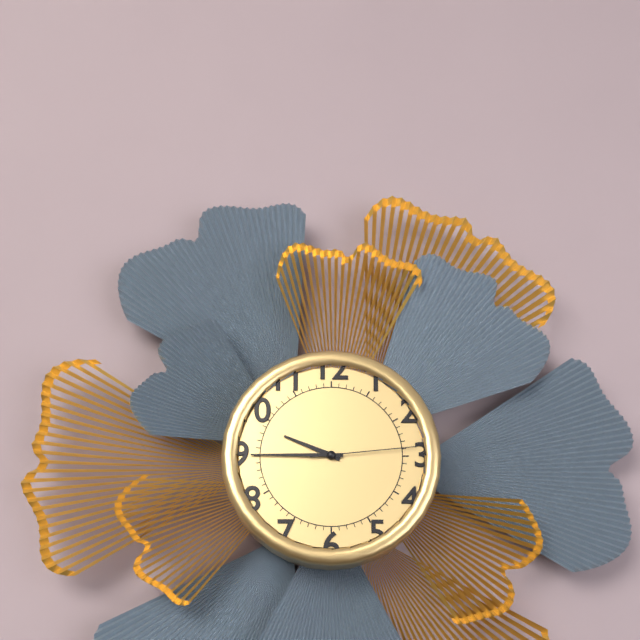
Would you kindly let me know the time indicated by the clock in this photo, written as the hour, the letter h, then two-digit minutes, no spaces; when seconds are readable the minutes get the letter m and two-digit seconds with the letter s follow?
9h45m14s
